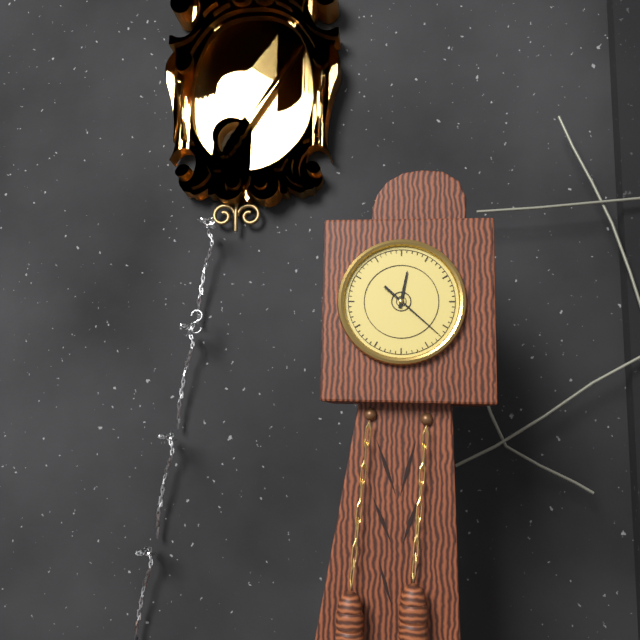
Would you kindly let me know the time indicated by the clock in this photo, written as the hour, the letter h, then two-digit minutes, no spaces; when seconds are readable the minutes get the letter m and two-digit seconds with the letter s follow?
12h22
